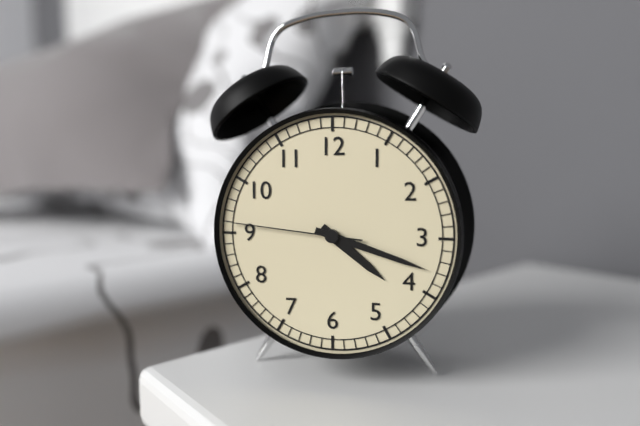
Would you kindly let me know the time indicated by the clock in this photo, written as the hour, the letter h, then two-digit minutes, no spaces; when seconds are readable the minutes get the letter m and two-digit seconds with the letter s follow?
4h18m46s
